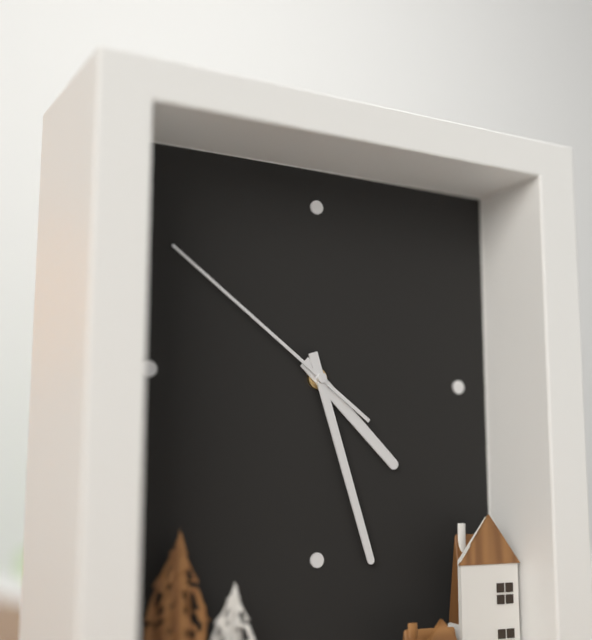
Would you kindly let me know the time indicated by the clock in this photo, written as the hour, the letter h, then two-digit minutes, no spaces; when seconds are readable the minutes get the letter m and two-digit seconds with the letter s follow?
4h27m51s
